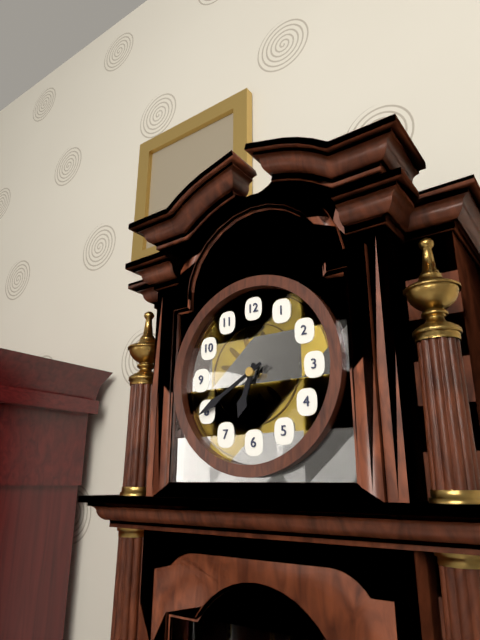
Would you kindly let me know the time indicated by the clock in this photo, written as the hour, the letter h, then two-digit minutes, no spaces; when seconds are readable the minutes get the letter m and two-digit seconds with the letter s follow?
6h40
